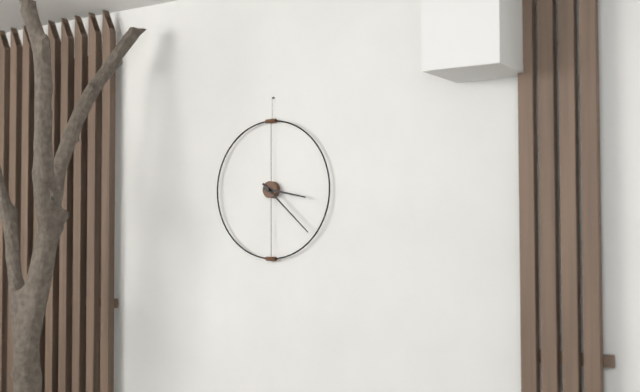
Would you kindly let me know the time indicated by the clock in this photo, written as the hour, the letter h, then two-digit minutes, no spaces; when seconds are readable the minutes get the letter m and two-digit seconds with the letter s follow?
3h22
